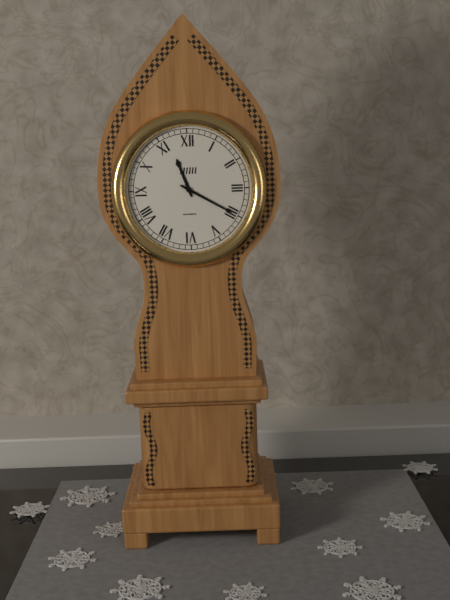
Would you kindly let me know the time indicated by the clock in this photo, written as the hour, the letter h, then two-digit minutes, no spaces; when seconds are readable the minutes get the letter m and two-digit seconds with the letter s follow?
11h20
